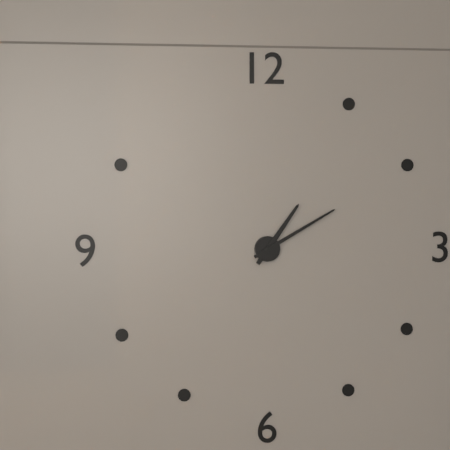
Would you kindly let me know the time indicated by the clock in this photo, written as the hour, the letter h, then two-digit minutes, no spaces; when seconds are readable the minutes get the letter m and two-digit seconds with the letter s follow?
1h10
